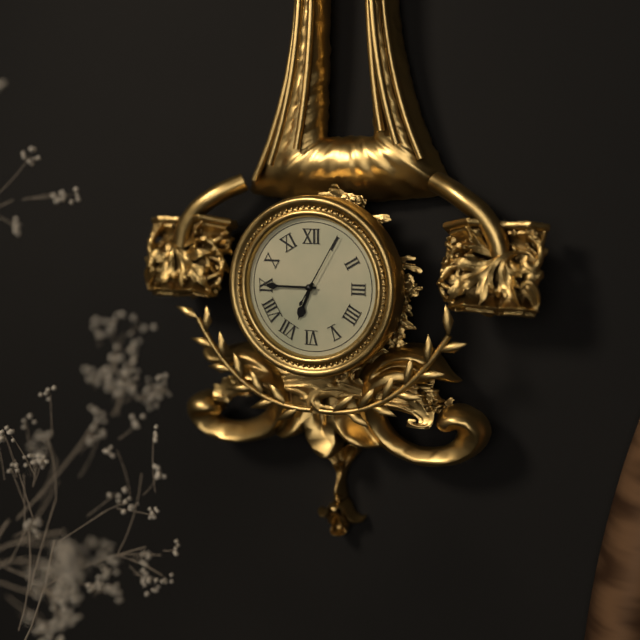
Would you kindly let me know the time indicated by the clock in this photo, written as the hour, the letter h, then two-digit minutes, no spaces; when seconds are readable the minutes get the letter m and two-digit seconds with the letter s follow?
6h45m05s
